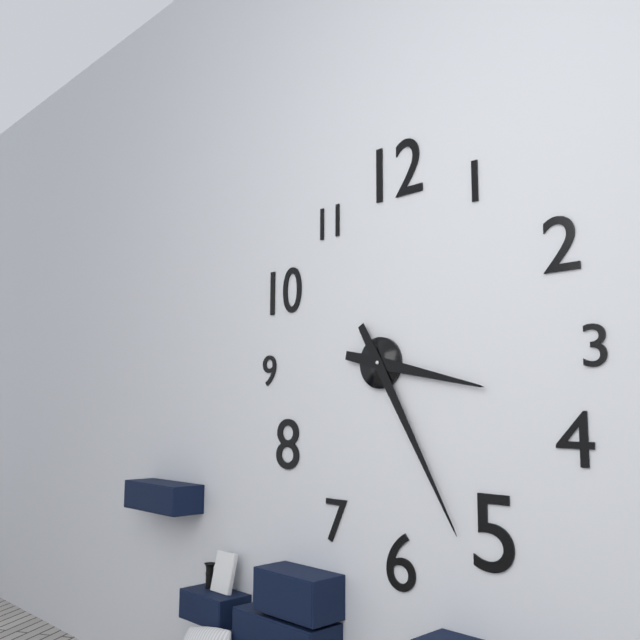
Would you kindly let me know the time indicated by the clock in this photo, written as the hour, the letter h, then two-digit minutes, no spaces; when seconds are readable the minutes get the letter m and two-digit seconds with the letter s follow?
3h25
